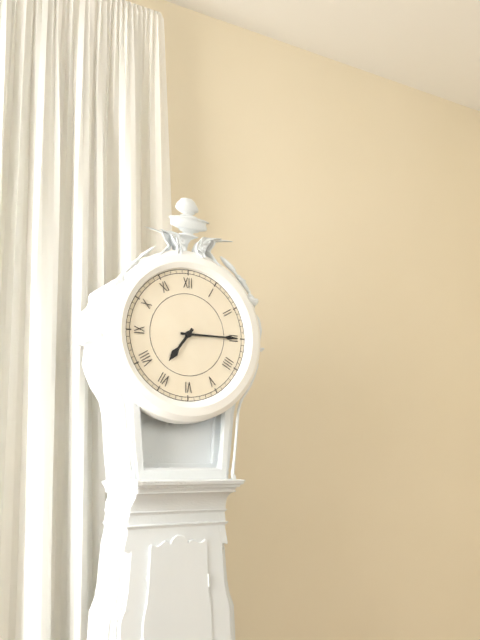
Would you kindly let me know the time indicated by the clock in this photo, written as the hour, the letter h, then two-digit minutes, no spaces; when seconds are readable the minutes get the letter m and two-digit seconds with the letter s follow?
7h15
